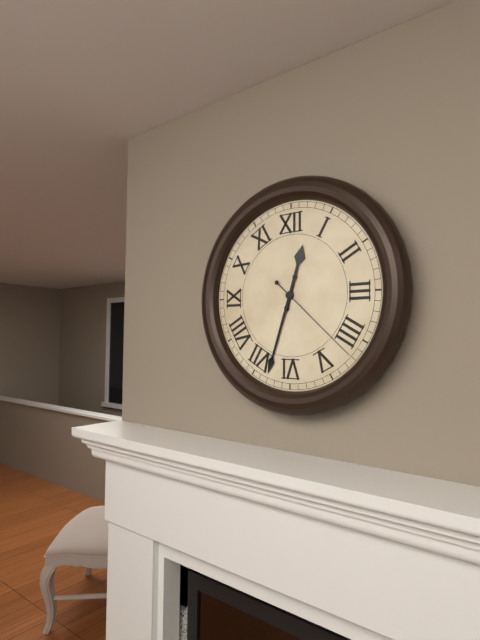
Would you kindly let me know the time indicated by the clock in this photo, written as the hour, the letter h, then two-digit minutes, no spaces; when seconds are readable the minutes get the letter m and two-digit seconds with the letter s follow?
12h33m22s
